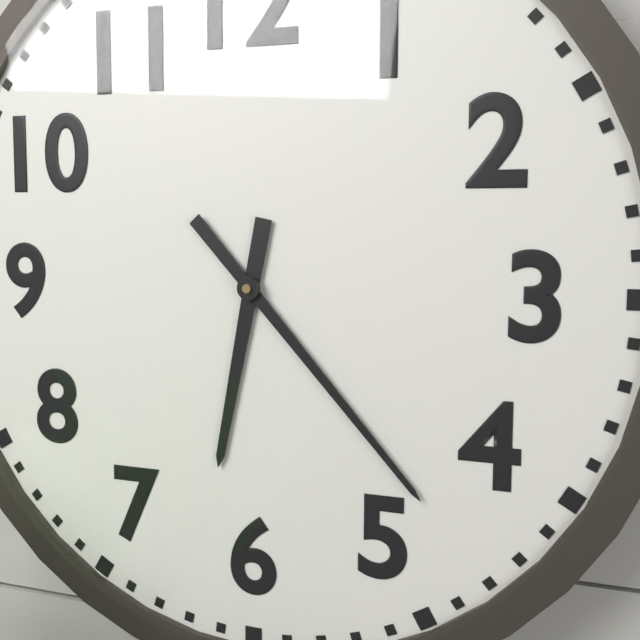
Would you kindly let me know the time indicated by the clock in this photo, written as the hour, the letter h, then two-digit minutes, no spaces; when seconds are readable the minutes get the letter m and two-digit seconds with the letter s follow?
6h23
